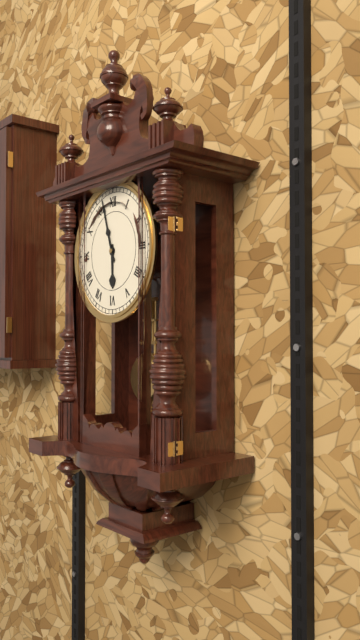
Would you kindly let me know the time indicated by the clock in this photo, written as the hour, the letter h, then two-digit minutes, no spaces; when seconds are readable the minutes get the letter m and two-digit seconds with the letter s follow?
5h57
